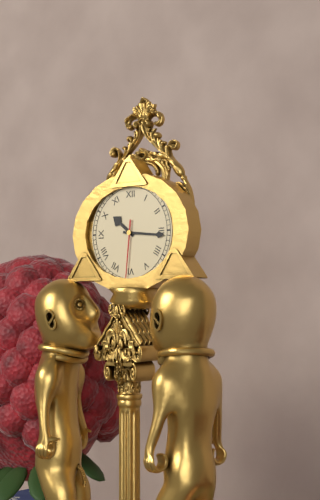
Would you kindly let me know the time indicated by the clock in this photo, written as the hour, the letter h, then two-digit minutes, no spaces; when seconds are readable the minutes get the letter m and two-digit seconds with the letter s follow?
10h16m31s
